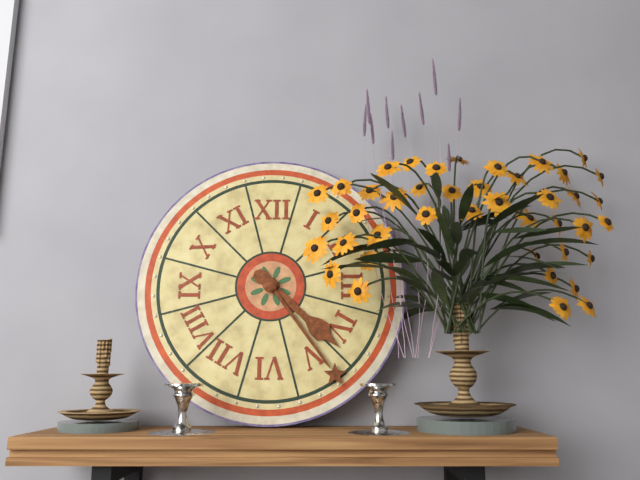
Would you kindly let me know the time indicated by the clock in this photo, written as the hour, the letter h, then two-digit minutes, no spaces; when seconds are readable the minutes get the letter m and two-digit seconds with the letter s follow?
4h24
